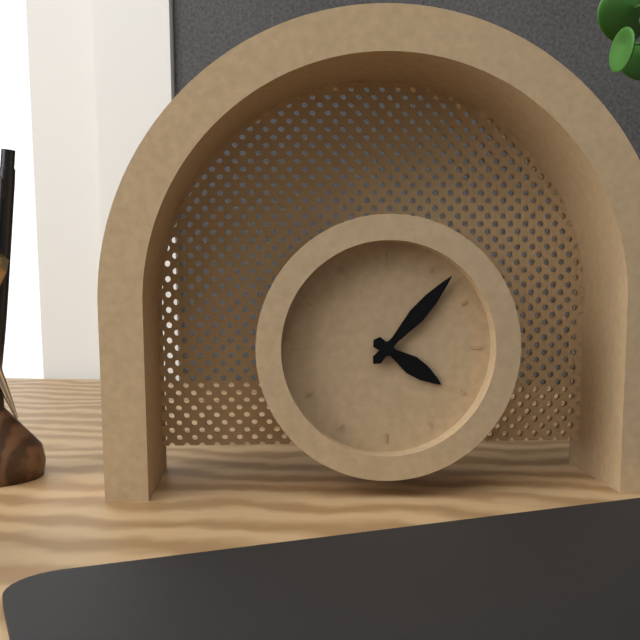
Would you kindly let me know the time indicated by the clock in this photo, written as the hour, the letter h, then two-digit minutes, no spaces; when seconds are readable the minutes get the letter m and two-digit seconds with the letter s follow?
4h07
